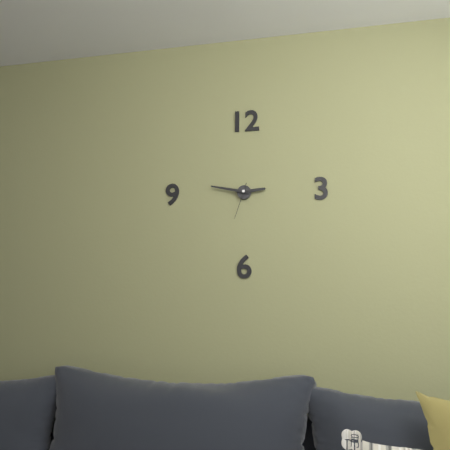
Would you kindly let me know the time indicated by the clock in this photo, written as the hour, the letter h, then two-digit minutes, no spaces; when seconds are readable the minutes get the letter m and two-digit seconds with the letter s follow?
2h47
